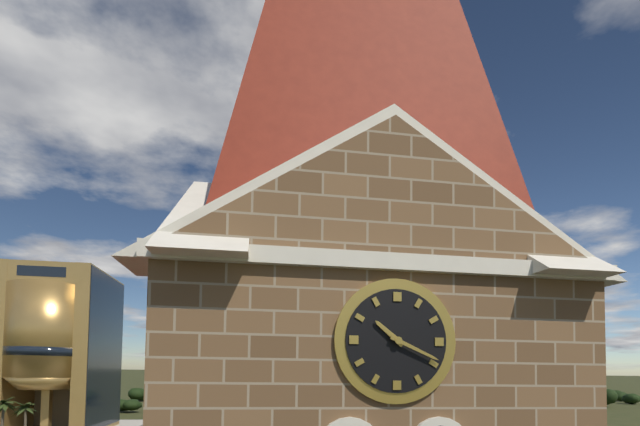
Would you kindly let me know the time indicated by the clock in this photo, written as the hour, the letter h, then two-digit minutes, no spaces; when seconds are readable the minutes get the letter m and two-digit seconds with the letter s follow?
10h19
